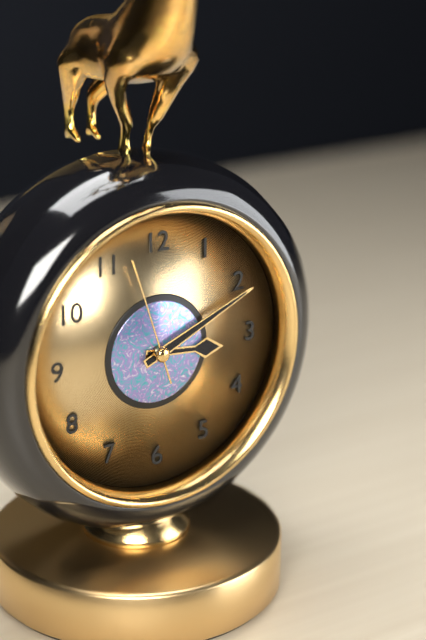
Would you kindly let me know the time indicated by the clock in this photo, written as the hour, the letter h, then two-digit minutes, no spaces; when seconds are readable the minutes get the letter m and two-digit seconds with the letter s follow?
3h11m57s
